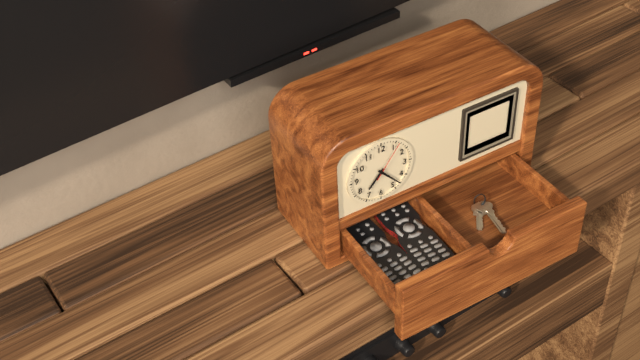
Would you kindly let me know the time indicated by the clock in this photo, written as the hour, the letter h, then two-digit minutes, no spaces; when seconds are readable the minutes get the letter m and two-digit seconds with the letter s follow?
7h23
